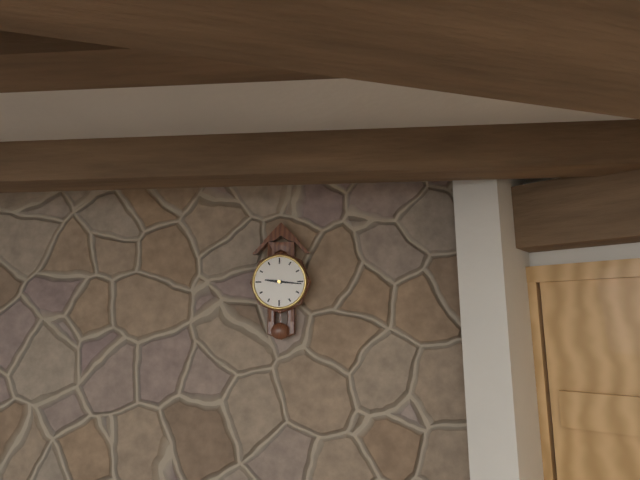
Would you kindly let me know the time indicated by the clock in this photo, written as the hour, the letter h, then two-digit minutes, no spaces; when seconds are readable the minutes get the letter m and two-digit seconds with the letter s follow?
9h16
